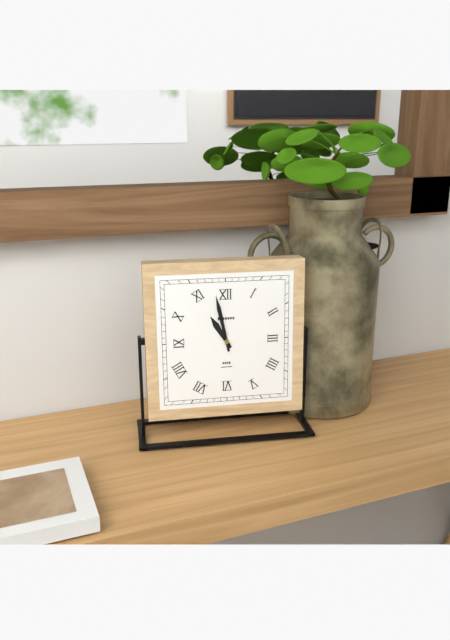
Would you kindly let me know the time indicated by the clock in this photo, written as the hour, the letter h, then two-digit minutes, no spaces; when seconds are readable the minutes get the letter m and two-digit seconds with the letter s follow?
10h58
